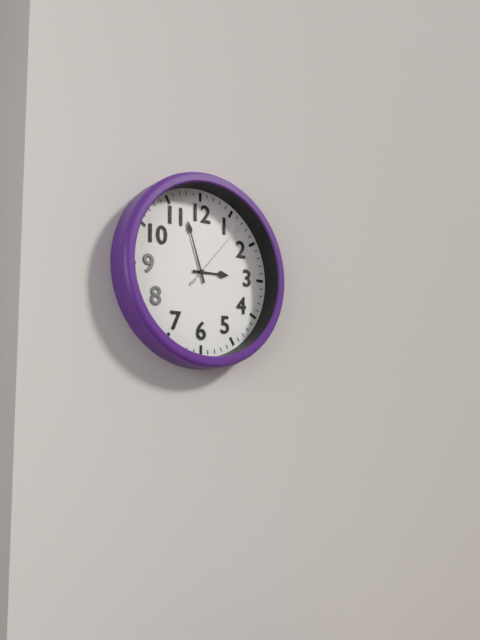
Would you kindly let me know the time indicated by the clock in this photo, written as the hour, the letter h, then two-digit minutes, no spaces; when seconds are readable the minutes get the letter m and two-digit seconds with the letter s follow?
2h57m07s
